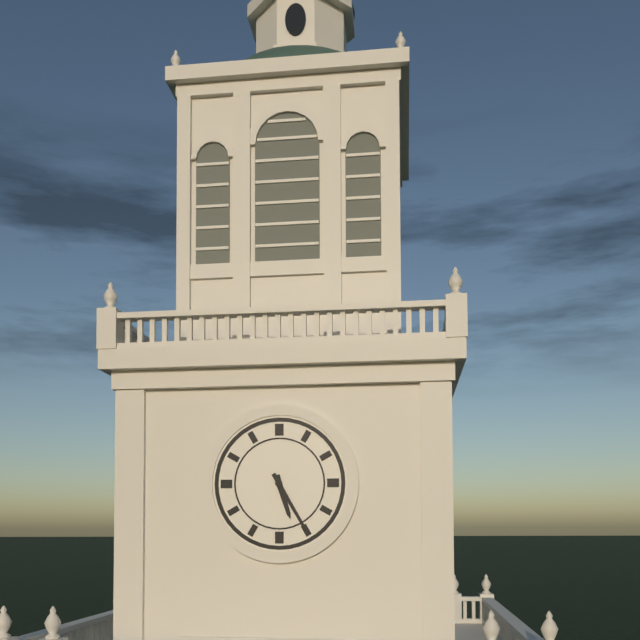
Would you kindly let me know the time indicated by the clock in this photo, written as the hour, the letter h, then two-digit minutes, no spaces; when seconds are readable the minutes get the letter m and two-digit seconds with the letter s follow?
5h25
